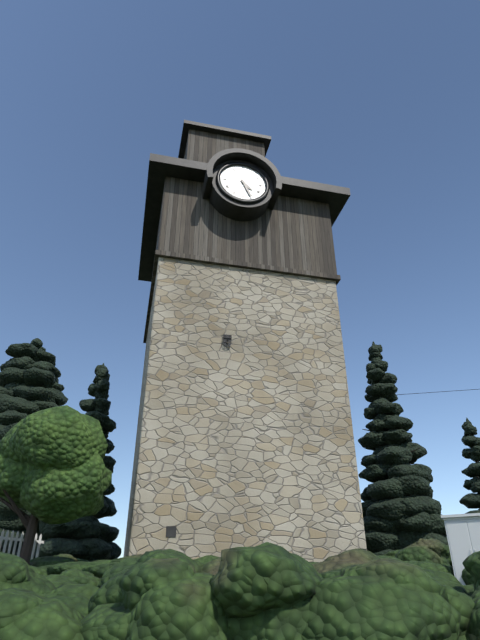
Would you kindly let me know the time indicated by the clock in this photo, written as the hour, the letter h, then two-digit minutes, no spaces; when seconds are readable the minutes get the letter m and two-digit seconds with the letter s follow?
4h26
